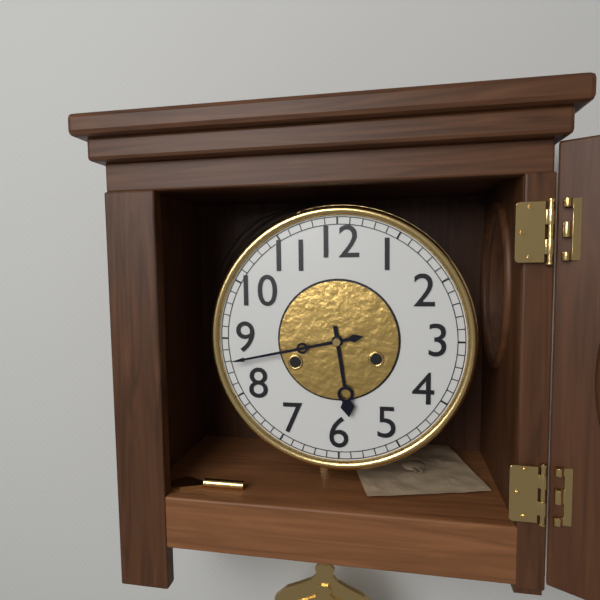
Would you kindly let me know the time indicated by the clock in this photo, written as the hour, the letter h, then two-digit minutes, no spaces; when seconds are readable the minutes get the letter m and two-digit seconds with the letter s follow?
5h43
